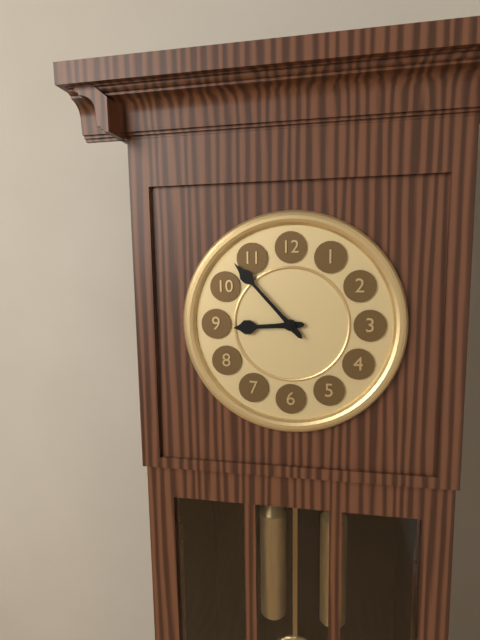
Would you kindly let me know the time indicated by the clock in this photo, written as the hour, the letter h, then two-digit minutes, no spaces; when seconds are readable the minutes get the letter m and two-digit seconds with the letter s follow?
8h53
